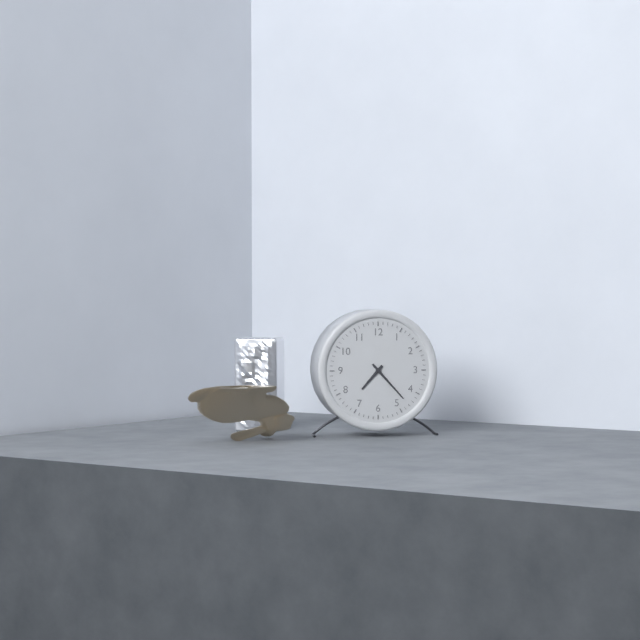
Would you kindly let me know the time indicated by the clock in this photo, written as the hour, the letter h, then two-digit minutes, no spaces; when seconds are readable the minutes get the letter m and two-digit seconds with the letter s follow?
7h23
